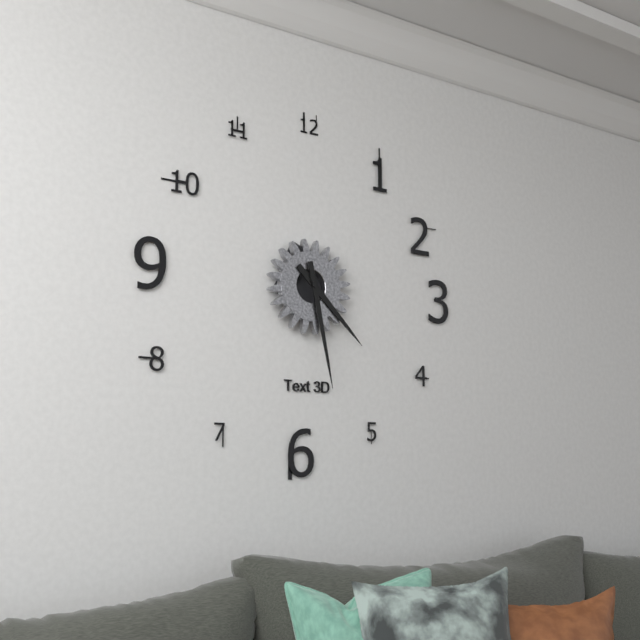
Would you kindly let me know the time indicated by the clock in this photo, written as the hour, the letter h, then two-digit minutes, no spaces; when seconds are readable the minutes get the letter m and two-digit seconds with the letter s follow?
4h28
